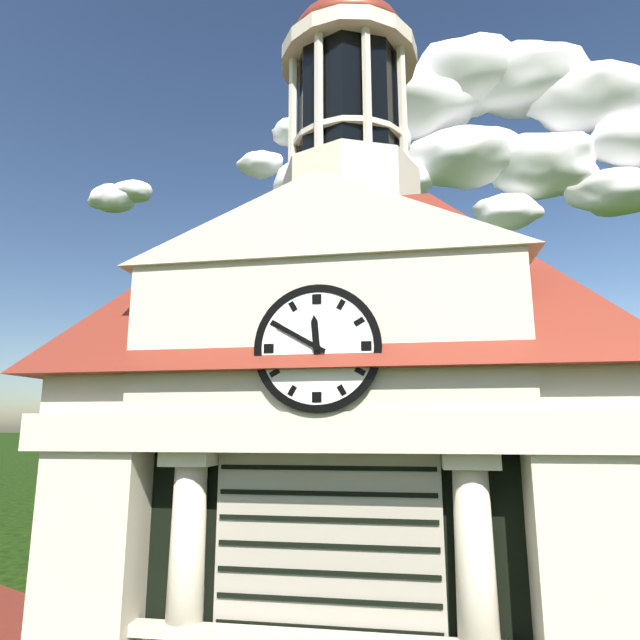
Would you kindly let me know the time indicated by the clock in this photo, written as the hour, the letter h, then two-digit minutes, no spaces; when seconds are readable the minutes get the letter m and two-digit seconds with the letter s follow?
11h50
